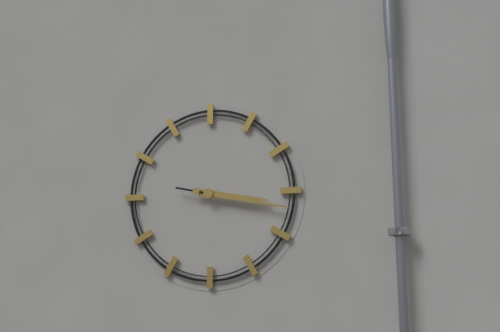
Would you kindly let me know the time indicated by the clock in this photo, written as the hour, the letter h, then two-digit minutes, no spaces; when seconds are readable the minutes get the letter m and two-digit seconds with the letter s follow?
3h17
